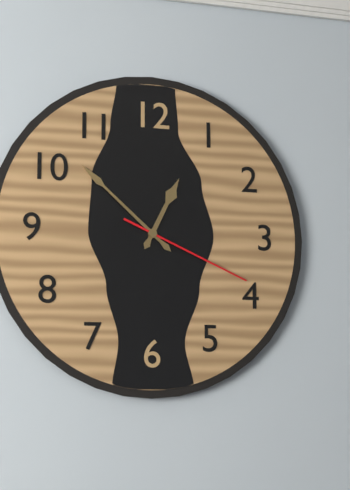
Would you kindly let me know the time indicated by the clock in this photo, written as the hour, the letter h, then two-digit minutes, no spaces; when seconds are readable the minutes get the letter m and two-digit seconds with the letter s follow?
12h52m19s
